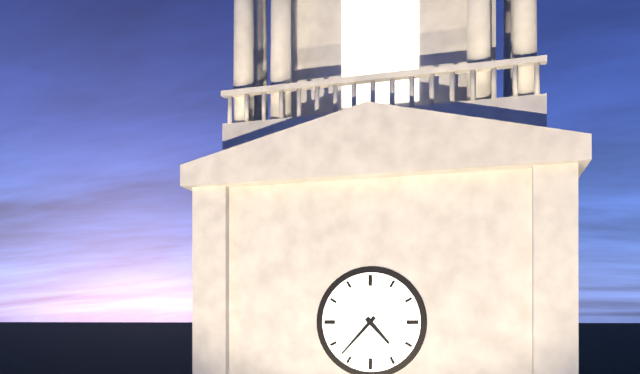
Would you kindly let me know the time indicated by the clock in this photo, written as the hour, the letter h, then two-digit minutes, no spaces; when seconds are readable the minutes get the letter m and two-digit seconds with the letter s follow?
4h37
